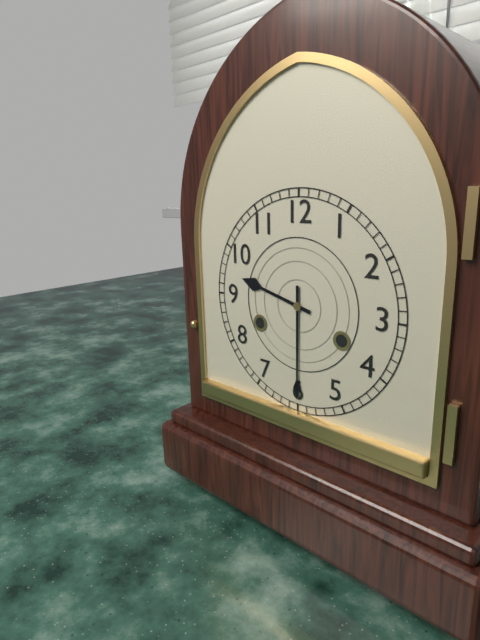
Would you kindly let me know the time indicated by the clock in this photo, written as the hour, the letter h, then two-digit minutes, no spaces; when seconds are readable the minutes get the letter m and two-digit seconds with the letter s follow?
9h30
